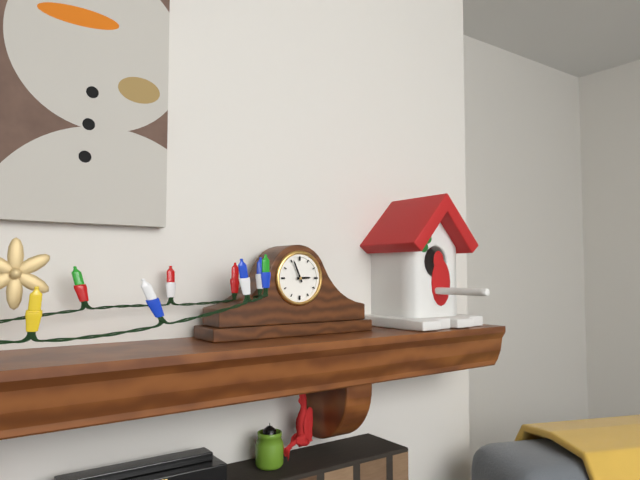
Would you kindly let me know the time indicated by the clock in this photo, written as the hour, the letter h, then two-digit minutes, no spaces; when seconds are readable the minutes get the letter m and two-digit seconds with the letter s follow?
2h56
